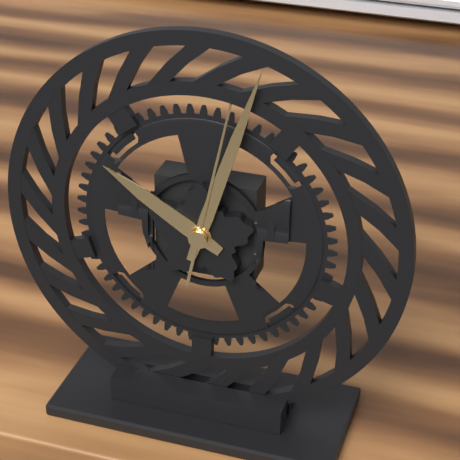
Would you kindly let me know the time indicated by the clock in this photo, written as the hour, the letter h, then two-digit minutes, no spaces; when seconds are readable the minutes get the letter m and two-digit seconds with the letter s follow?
10h03m02s
